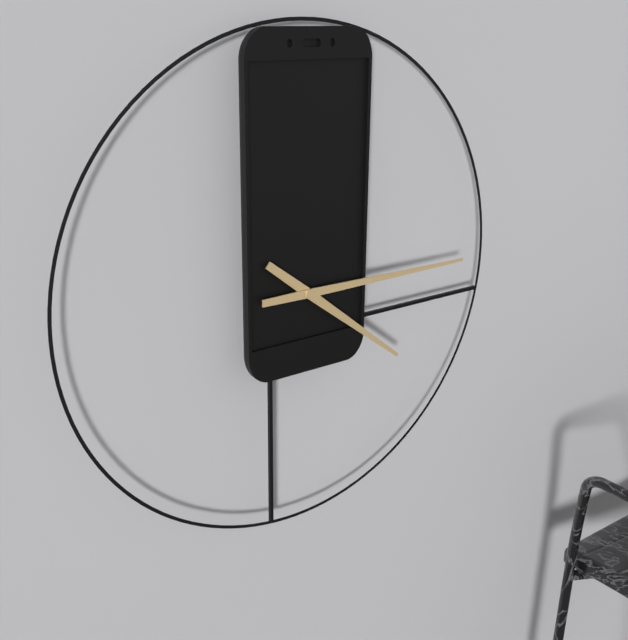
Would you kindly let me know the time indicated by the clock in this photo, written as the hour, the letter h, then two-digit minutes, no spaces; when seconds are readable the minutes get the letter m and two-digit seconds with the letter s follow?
4h15
